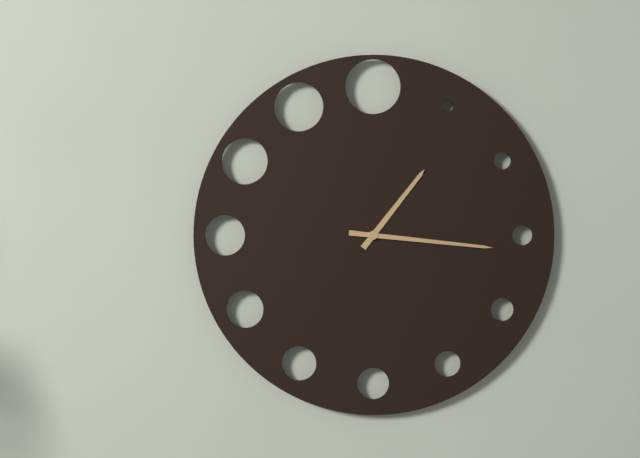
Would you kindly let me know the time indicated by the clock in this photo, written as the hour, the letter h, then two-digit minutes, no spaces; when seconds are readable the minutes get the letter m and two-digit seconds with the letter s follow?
1h16
